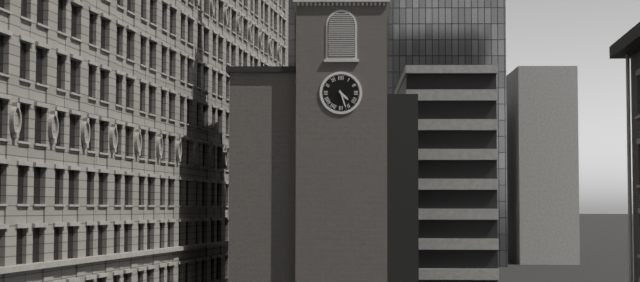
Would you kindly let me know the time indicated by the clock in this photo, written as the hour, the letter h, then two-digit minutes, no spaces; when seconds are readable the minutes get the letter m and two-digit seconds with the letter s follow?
4h27
